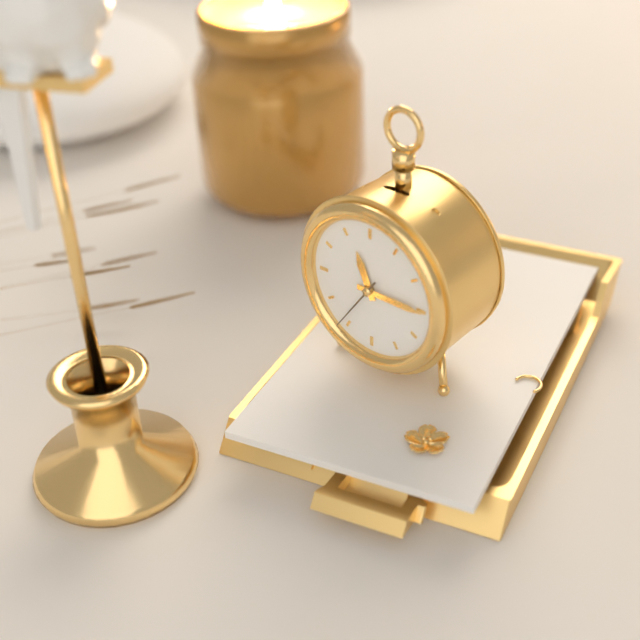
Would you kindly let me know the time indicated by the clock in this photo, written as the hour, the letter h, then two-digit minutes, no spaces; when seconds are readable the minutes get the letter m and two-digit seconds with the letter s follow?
11h15m36s
